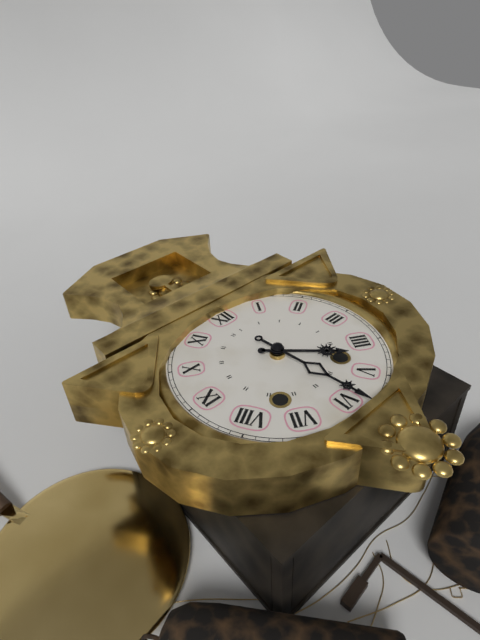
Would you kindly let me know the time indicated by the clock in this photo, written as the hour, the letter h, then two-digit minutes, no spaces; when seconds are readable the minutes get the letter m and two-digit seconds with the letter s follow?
4h29
